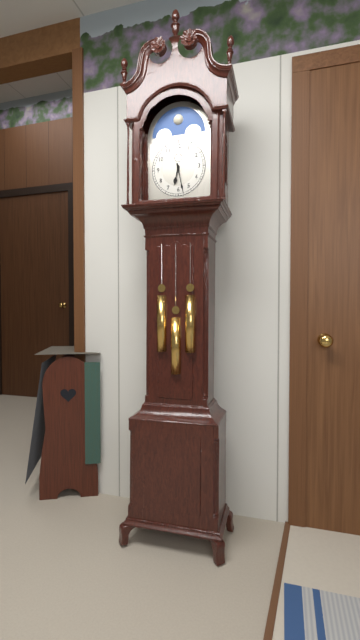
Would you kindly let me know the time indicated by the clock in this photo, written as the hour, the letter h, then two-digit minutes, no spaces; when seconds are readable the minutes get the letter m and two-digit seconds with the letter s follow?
6h28
